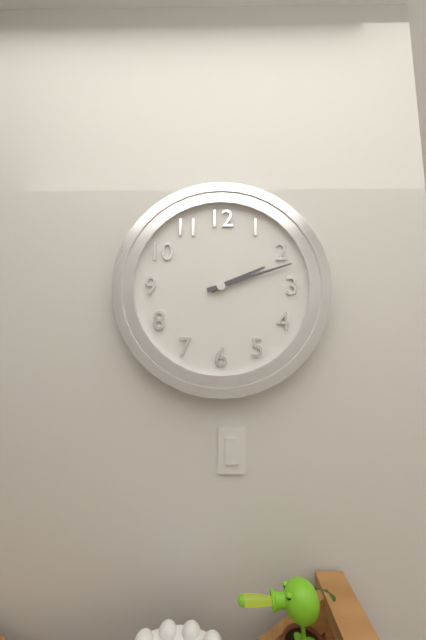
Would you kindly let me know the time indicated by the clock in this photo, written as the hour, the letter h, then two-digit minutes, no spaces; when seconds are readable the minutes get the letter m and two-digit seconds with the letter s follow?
2h12
